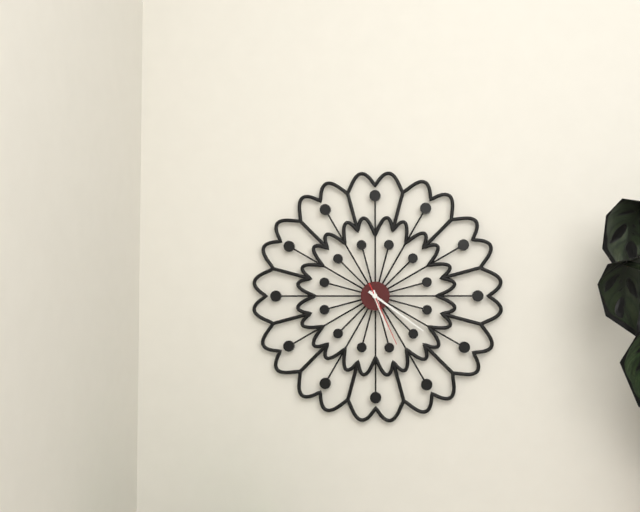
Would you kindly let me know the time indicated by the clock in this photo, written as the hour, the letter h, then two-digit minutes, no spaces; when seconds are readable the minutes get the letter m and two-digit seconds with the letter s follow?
5h21m26s
